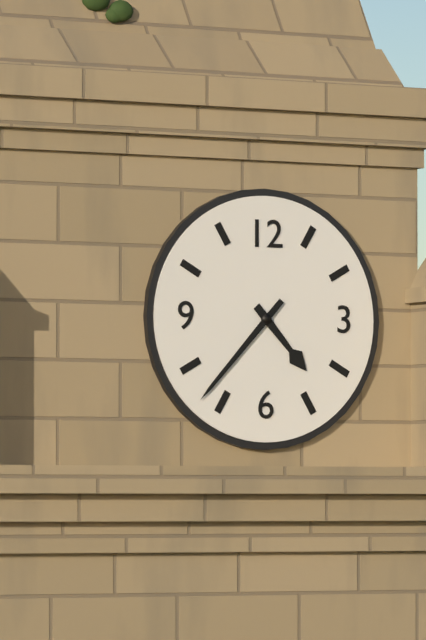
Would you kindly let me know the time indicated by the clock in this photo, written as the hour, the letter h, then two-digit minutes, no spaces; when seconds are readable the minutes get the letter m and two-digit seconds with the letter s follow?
4h37
